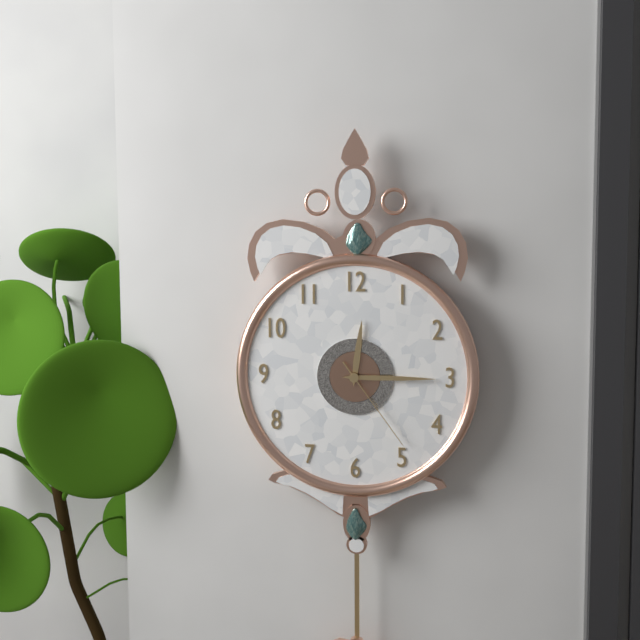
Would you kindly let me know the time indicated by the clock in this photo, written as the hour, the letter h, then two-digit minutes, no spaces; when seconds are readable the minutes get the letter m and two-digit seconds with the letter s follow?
12h15m24s
